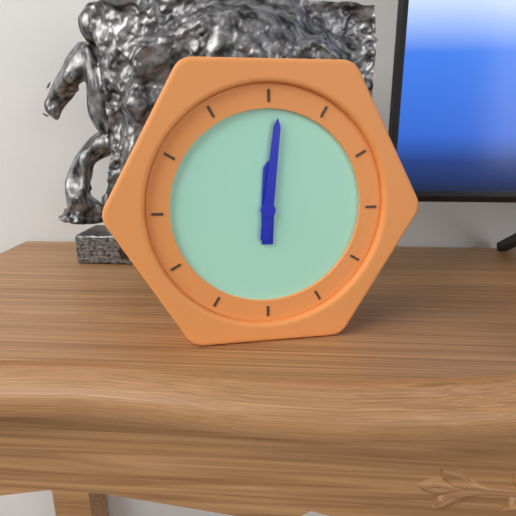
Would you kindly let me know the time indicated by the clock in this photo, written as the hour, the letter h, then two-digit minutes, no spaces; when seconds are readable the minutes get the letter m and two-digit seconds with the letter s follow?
12h01
